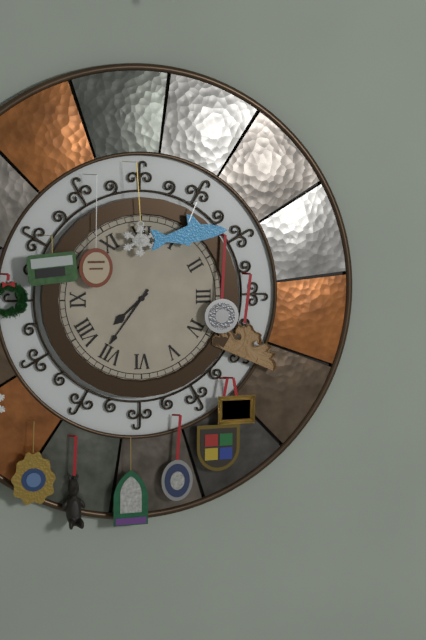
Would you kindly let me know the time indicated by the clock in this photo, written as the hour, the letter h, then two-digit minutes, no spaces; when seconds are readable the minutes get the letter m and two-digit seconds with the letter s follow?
7h36
